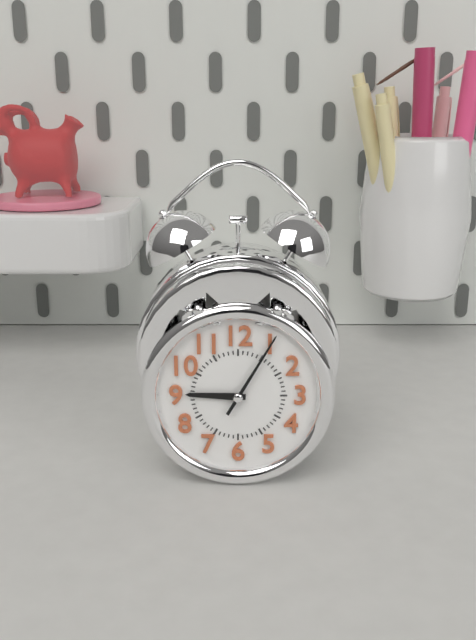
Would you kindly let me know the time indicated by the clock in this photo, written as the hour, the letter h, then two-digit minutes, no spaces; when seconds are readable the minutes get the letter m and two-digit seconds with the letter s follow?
9h05
